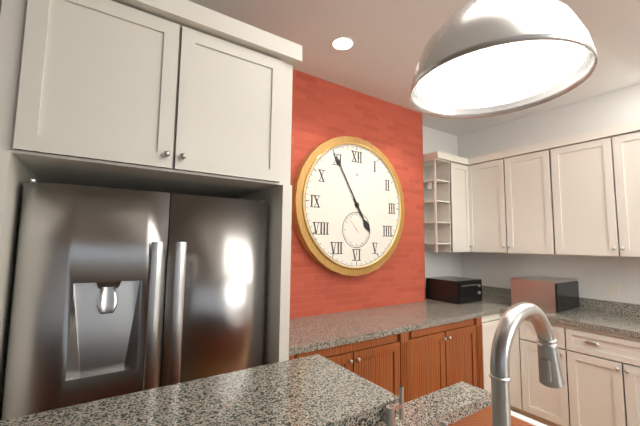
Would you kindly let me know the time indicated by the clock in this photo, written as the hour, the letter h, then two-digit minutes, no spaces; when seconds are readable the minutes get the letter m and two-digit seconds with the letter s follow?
4h55
